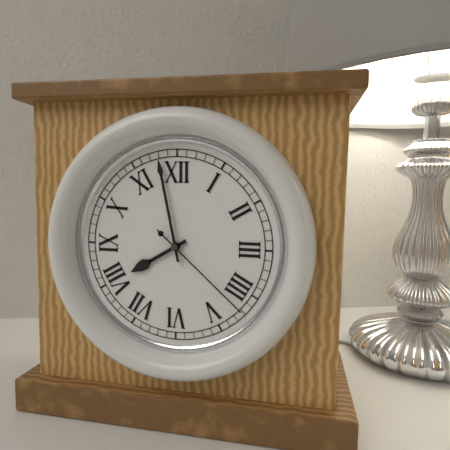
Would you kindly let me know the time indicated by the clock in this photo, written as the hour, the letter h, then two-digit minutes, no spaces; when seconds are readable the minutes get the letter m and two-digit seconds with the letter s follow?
7h58m22s
